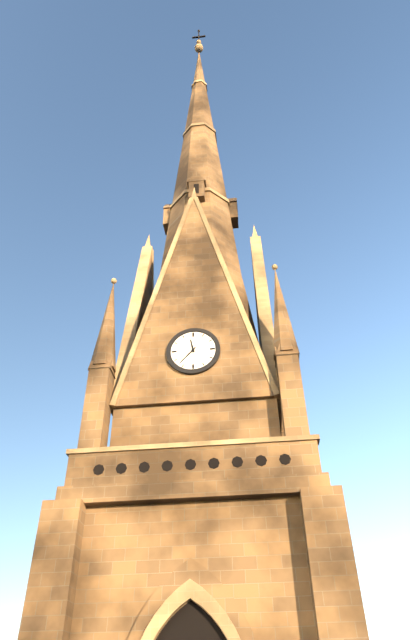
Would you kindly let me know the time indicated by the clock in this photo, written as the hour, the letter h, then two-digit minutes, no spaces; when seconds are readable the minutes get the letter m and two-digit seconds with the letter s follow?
11h37
